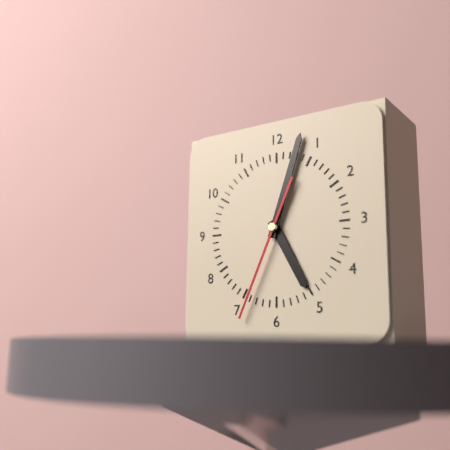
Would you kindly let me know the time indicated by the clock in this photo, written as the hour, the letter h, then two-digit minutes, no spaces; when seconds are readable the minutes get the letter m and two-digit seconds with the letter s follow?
5h03m34s
